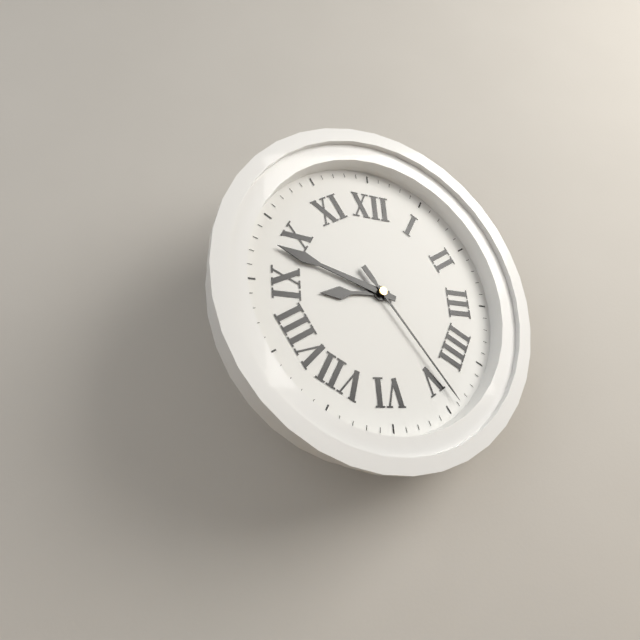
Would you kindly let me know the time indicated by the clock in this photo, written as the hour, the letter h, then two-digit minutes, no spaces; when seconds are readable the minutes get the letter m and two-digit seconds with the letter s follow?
8h48m24s
